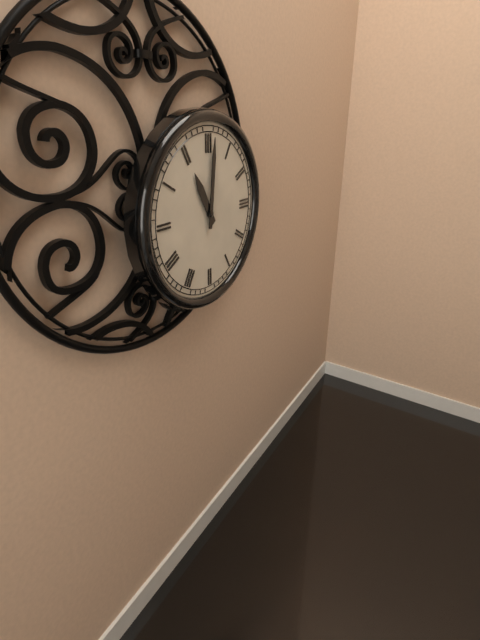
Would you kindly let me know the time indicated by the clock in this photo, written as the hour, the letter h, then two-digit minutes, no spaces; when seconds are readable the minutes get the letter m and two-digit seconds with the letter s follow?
11h01
